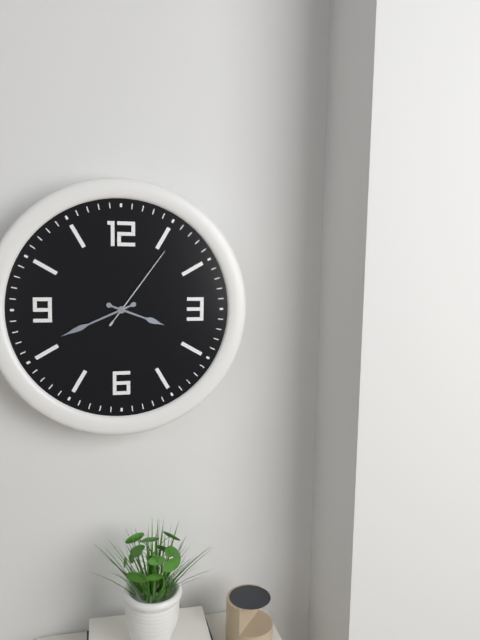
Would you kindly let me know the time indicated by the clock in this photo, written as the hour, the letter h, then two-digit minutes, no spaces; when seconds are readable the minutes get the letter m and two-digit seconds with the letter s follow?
3h41m06s
